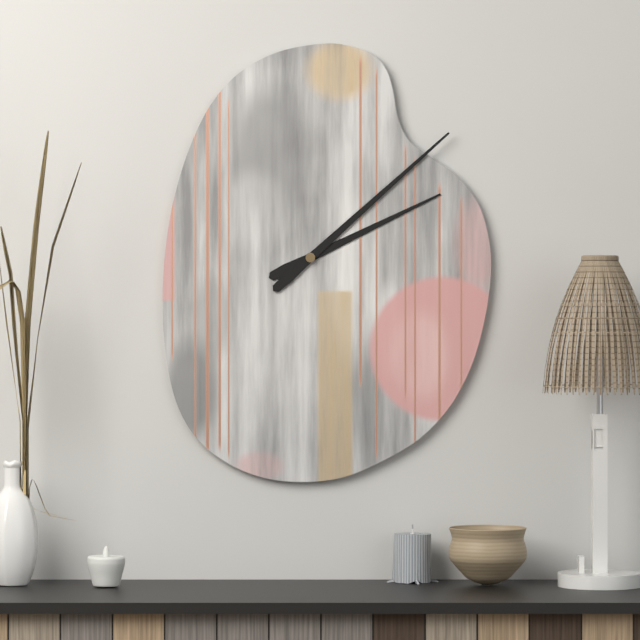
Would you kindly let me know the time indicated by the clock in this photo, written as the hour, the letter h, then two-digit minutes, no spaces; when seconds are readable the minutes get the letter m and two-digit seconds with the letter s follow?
2h08
